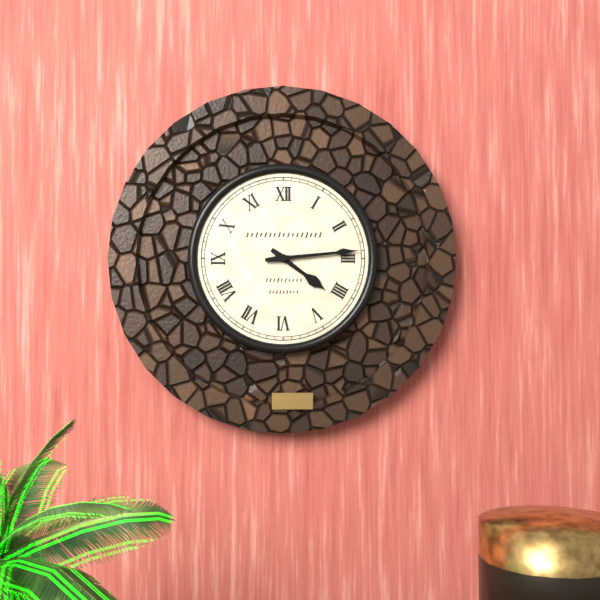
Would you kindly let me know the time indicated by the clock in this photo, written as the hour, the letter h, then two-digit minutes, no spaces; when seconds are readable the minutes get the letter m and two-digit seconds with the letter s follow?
4h14
